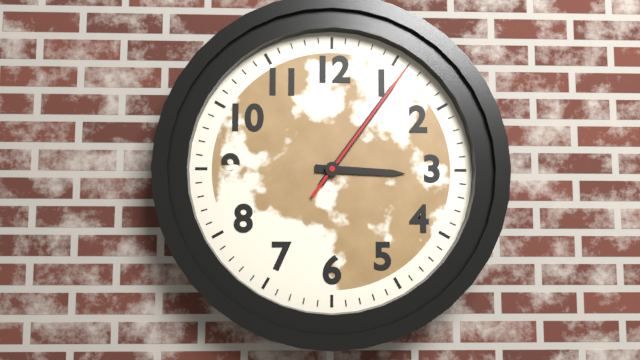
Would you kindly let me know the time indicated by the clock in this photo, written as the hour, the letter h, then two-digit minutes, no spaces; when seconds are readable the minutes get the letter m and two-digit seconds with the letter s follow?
3h06m06s
